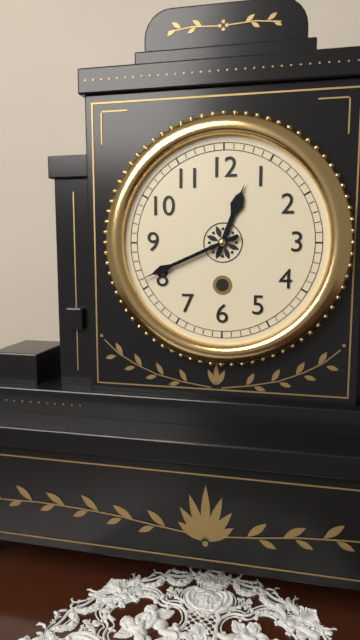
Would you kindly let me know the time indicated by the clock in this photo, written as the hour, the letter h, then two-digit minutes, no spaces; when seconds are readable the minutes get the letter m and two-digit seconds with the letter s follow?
12h41
